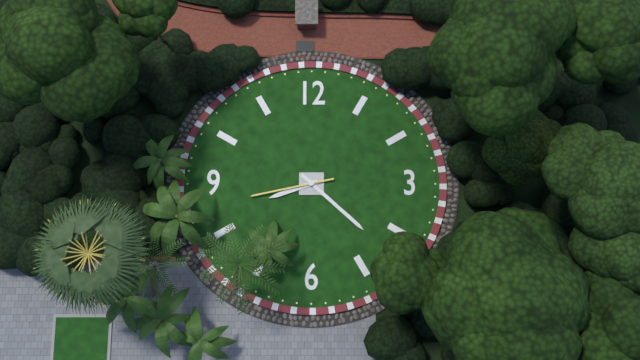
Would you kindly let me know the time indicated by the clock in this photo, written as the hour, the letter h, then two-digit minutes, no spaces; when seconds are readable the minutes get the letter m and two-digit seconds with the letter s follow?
8h22m43s
